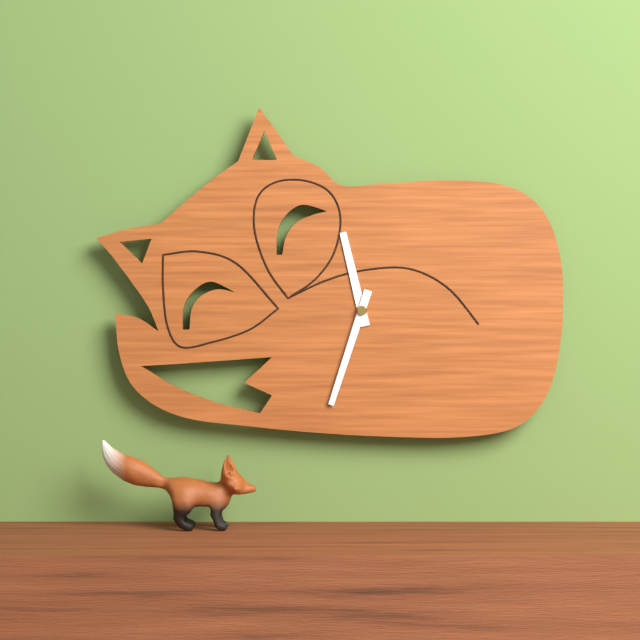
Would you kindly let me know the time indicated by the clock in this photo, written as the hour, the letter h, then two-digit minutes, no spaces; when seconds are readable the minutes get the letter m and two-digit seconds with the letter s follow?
11h33
